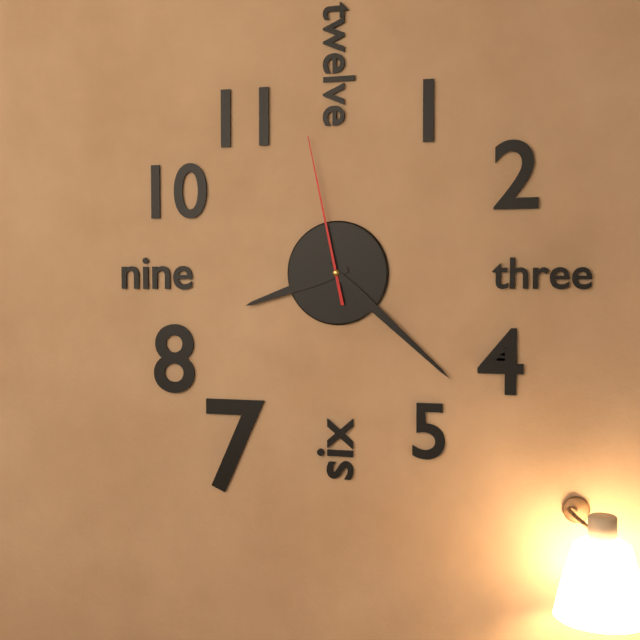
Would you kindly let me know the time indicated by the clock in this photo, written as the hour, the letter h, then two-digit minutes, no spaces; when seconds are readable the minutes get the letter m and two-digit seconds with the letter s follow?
8h22m58s
